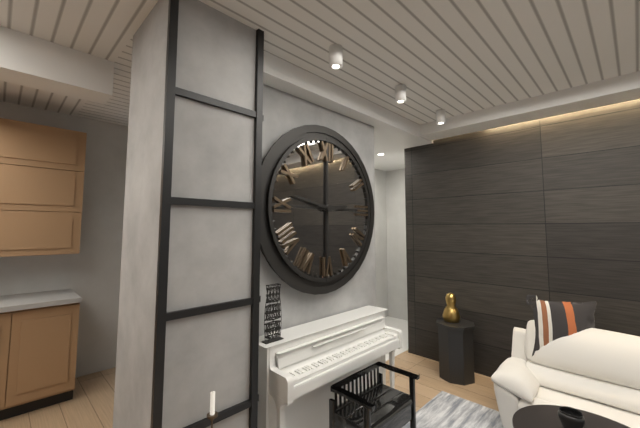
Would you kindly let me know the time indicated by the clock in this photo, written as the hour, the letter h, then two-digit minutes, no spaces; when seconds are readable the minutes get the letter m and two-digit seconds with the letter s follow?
2h47
